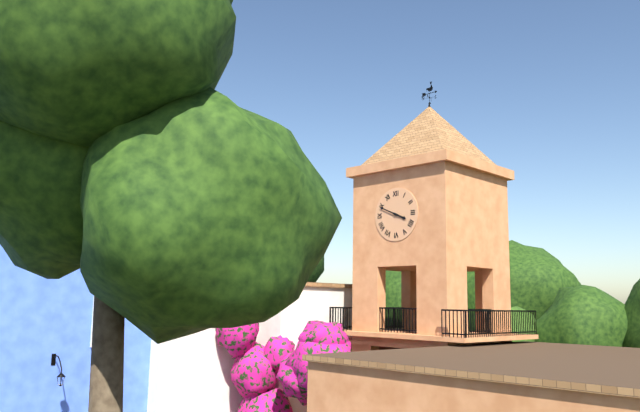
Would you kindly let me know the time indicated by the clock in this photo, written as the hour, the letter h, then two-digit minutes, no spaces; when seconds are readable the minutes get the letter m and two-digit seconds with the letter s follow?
3h49
